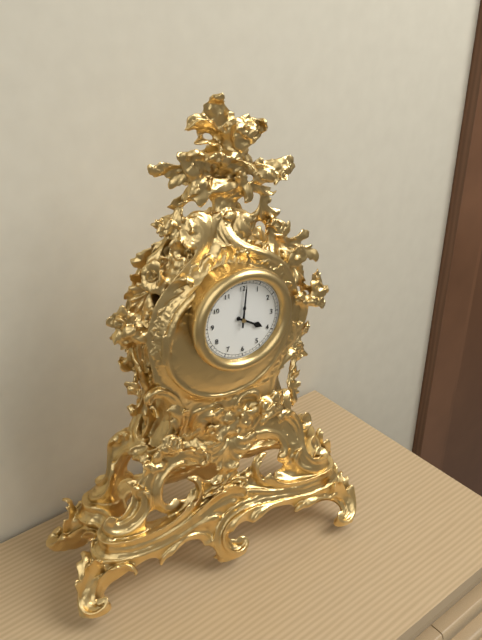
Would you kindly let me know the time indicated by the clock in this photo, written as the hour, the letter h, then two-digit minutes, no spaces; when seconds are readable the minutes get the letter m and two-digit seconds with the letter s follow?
4h01
